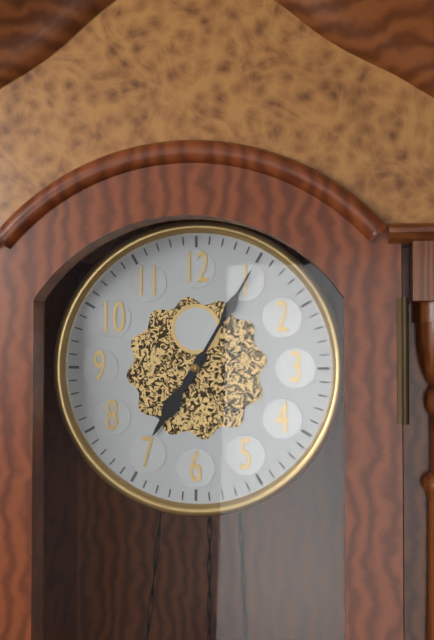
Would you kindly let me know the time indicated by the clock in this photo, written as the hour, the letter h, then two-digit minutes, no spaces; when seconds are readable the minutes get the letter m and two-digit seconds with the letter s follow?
7h05
